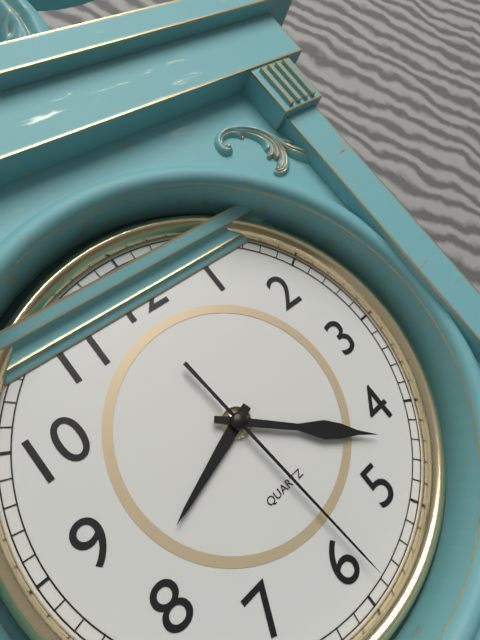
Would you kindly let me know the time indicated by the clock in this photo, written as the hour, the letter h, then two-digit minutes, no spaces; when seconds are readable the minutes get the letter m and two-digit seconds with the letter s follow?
8h22m29s
